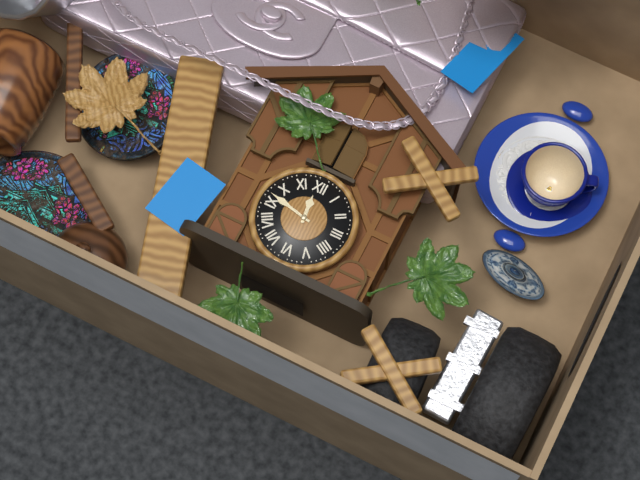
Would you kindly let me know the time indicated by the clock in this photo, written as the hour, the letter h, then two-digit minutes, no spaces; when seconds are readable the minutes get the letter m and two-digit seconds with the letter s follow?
11h47
